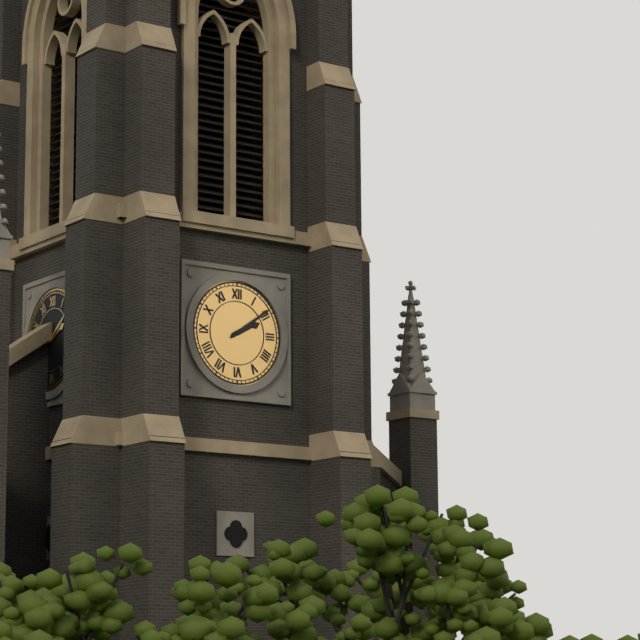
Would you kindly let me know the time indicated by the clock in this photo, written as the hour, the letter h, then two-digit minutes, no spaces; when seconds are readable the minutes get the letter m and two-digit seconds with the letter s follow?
2h09
